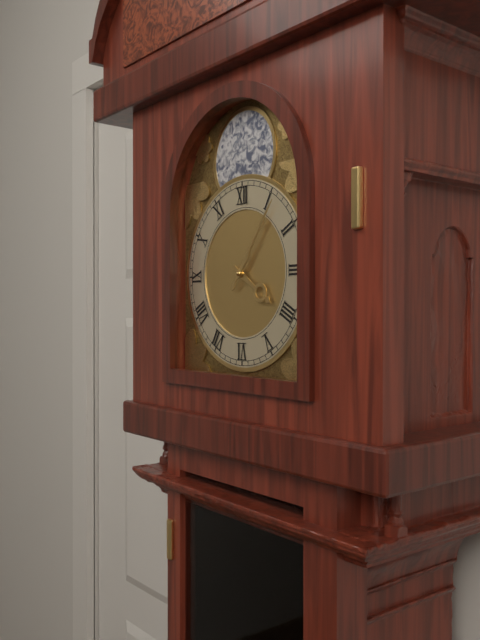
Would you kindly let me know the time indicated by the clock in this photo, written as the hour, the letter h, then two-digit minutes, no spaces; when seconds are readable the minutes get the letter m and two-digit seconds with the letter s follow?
4h06
